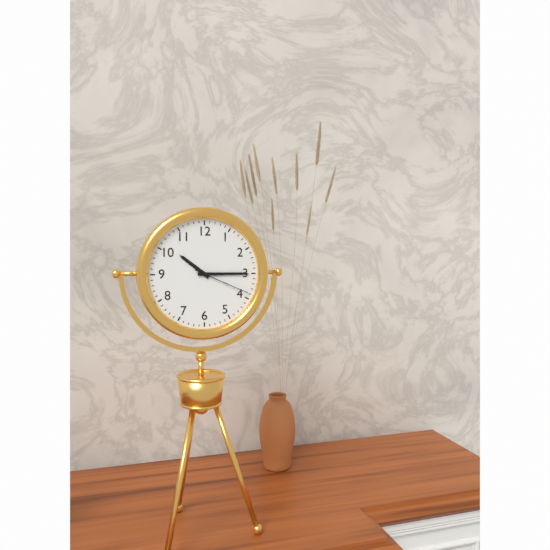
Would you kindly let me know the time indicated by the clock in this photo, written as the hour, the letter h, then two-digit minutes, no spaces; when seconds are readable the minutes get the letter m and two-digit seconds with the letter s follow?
10h15m19s
